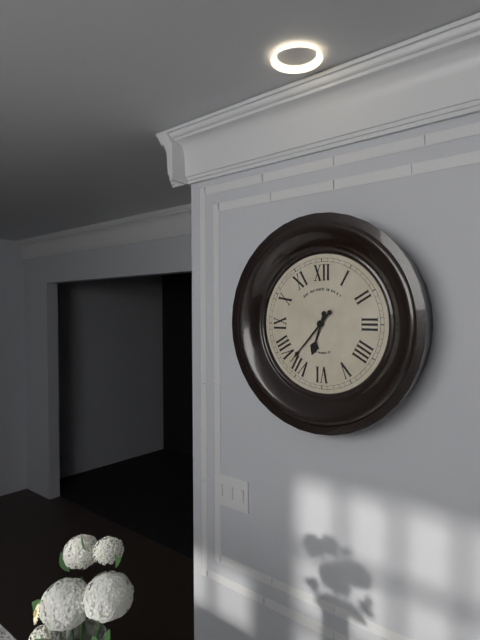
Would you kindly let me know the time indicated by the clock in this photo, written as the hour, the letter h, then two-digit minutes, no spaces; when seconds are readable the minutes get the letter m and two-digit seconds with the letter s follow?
6h37
